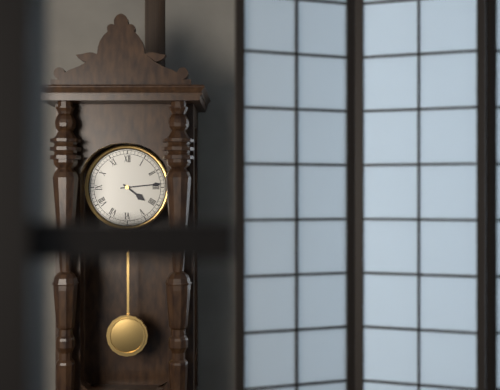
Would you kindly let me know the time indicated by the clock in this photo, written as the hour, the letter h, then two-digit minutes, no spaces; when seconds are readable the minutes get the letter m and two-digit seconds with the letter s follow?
4h14
